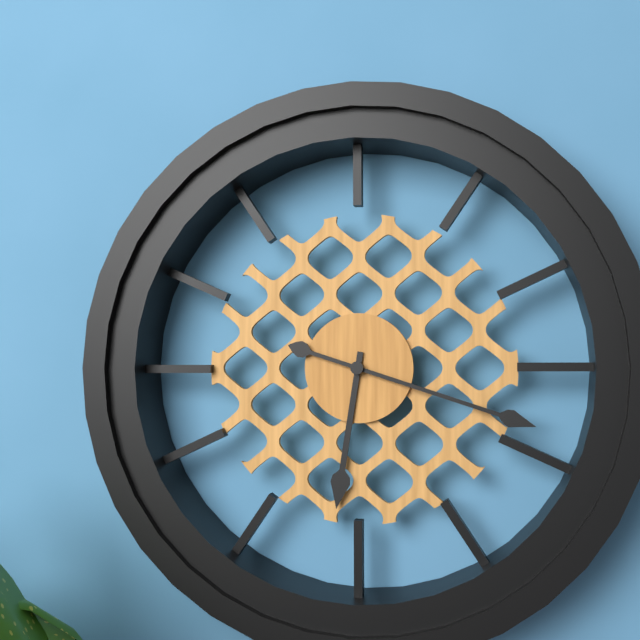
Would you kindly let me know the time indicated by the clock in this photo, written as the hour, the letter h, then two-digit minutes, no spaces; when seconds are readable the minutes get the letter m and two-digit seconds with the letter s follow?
6h18
